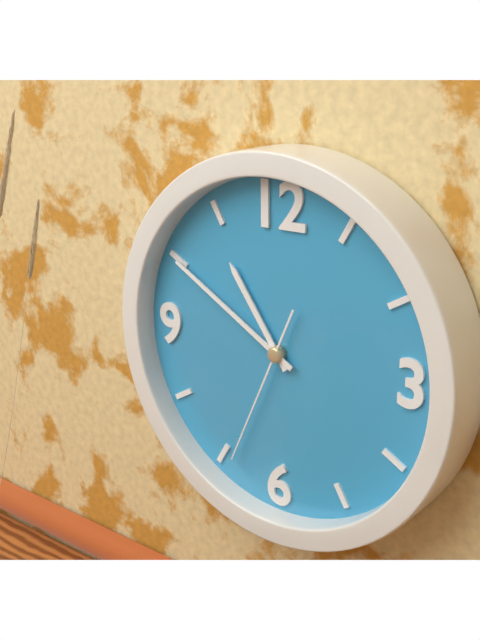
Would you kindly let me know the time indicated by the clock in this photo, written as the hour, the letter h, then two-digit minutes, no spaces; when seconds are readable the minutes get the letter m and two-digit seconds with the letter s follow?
10h50m34s
